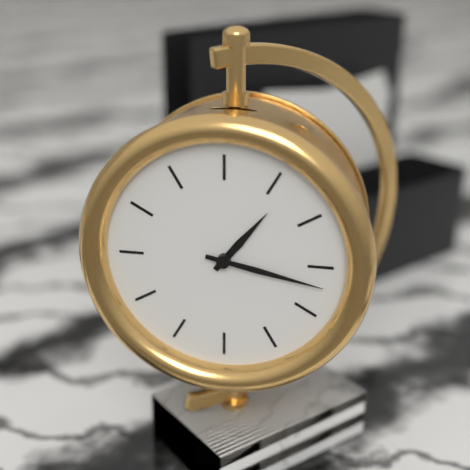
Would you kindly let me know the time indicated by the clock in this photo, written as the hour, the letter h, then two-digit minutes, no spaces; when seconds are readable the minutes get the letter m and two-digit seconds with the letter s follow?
1h17
